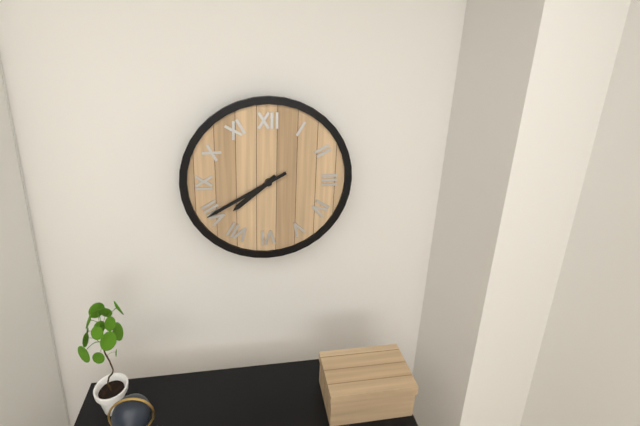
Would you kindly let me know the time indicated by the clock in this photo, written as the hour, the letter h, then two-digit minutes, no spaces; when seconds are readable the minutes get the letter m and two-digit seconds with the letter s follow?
7h40
